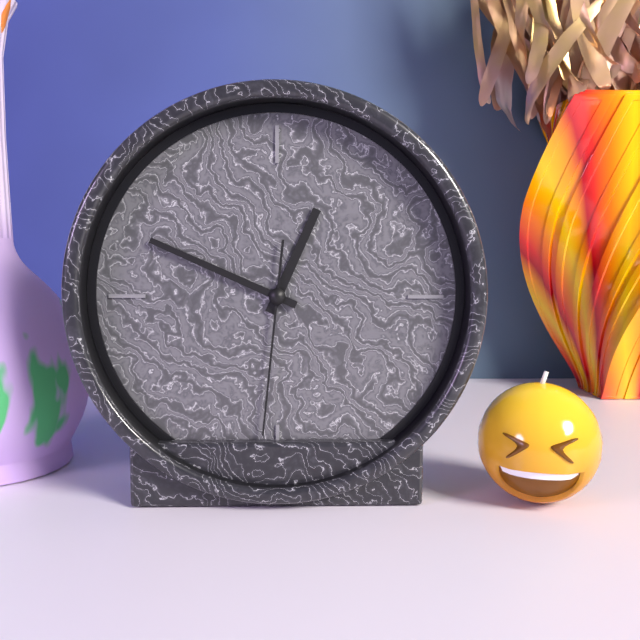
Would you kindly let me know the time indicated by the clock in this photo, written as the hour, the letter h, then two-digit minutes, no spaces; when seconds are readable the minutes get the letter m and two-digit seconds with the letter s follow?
12h49m31s
